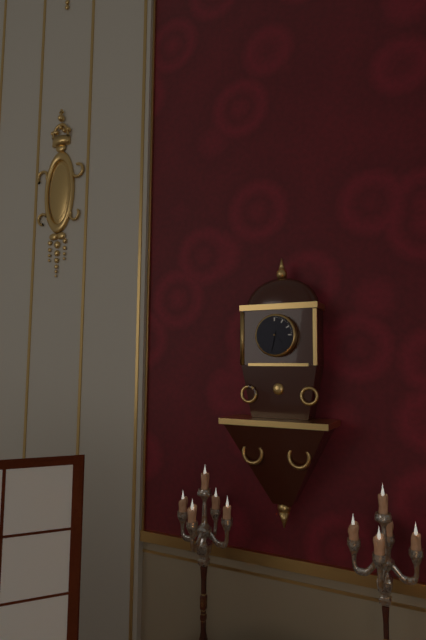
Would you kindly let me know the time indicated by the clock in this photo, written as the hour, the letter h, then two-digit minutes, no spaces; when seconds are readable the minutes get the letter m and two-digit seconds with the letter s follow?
4h32
